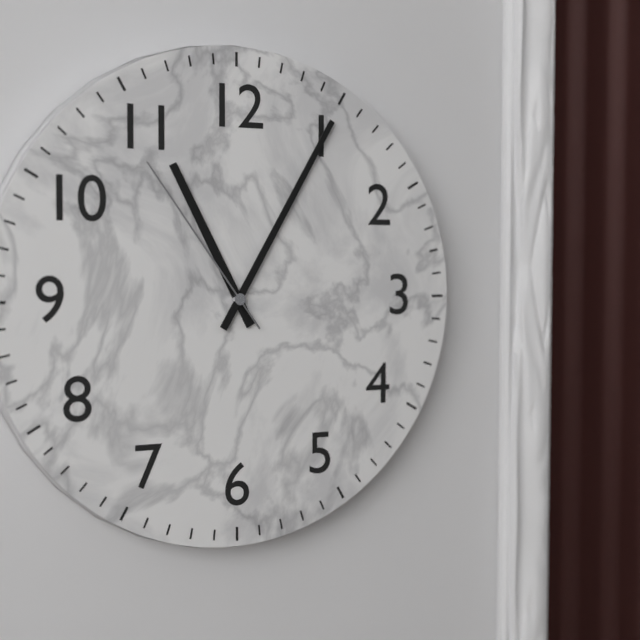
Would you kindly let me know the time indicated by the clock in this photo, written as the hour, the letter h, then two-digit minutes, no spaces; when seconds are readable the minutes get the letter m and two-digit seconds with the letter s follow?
11h05m54s
